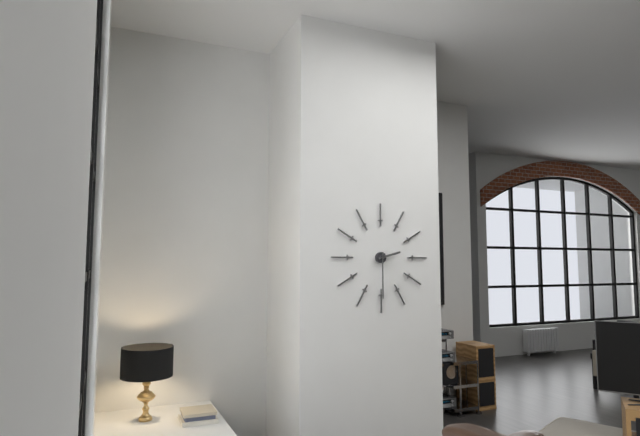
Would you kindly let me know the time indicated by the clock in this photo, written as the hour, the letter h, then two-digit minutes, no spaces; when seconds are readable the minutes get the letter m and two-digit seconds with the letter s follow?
2h30
